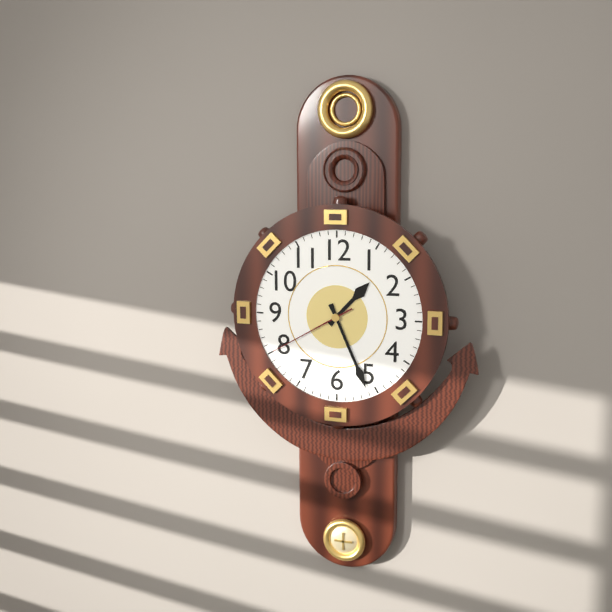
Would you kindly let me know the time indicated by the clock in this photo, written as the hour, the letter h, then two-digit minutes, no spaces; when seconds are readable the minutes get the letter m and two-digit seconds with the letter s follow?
1h26m40s
